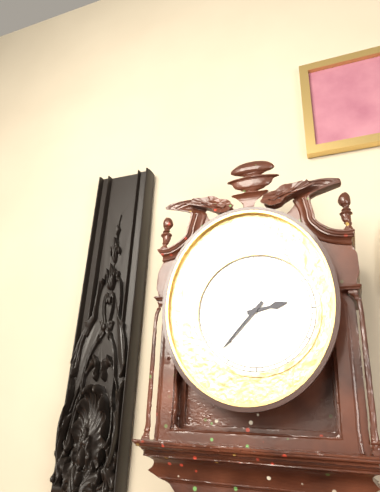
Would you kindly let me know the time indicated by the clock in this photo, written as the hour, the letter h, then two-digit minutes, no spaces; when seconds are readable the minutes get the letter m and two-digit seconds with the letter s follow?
2h37
